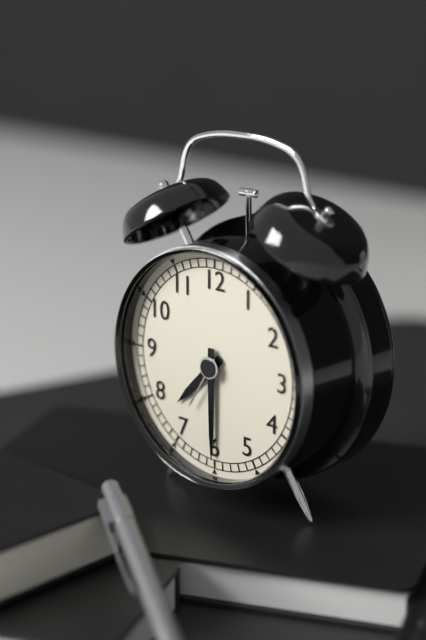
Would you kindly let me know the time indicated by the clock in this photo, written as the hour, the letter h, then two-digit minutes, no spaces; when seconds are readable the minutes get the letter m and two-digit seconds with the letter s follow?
7h30
